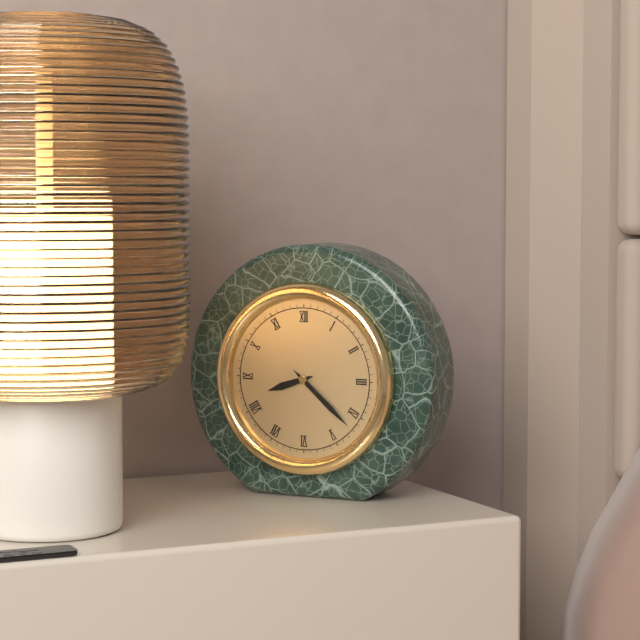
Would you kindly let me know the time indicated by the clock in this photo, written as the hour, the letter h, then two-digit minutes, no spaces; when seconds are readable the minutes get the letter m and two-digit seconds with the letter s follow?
8h22
